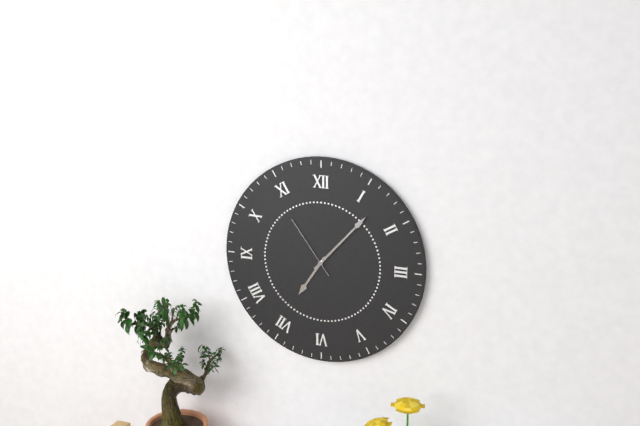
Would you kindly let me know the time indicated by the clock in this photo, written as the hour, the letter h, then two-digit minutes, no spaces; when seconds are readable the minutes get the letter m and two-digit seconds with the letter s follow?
7h07m54s
